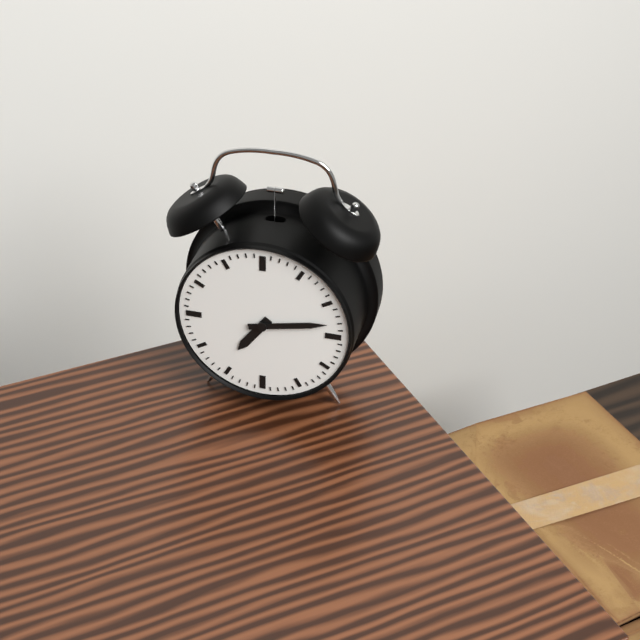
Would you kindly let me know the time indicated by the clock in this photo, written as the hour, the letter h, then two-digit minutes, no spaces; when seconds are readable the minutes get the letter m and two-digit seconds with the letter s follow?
7h13
